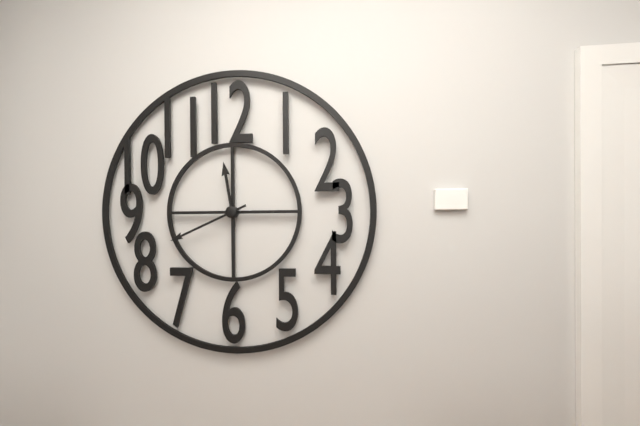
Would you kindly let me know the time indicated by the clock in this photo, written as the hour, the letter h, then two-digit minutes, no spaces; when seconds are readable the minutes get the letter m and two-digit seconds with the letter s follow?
11h41
